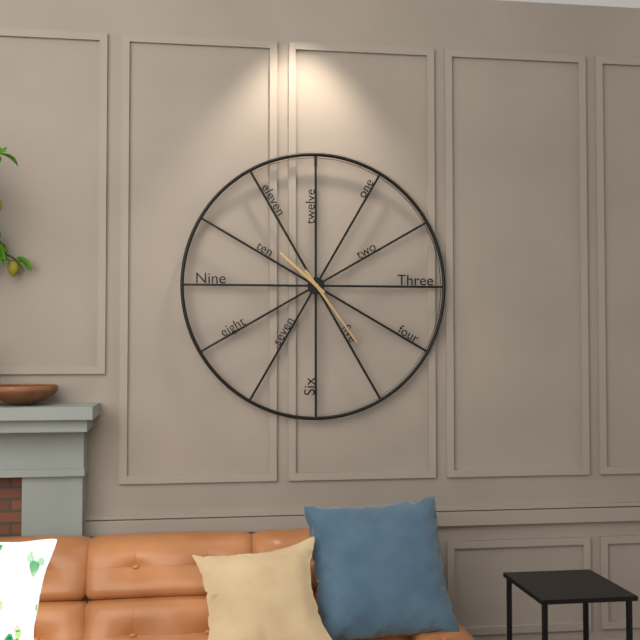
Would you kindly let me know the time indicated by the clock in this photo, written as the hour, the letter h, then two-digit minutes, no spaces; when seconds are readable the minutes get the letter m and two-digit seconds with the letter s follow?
10h24
